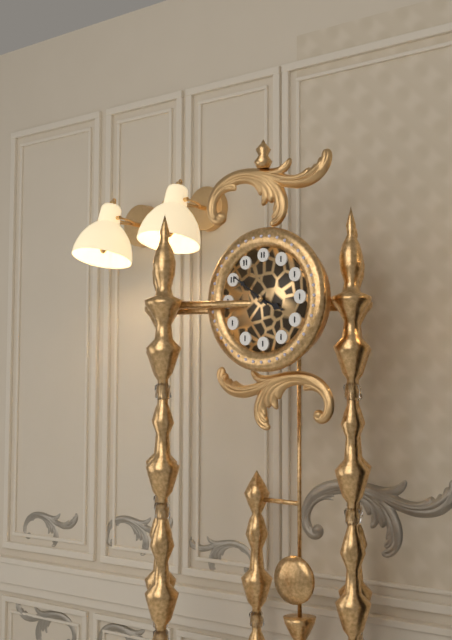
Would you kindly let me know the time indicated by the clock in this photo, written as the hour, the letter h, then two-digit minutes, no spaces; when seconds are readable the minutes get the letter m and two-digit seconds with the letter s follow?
3h51
